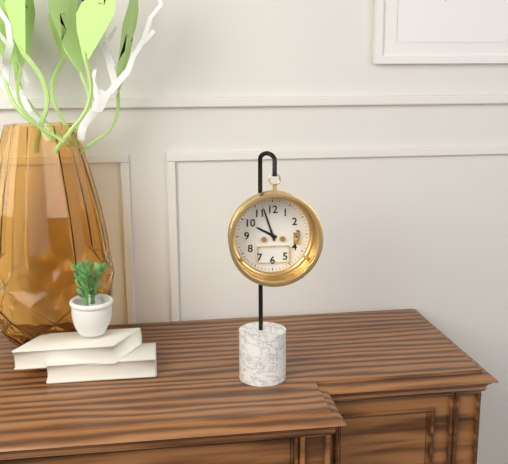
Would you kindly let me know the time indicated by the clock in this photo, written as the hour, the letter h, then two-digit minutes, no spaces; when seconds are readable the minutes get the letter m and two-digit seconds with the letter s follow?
9h57
